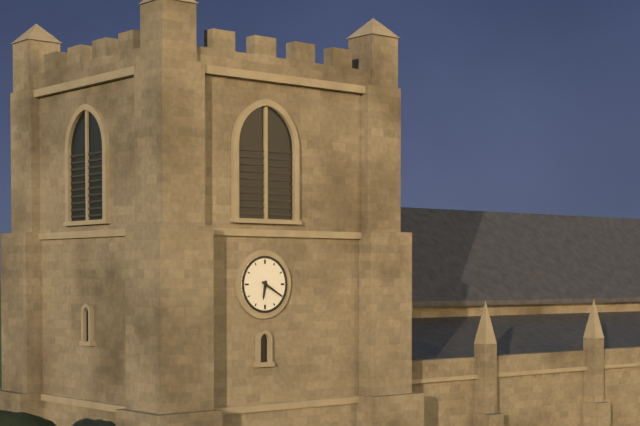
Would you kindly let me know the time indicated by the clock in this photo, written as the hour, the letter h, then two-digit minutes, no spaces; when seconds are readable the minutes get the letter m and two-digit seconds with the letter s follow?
6h20
